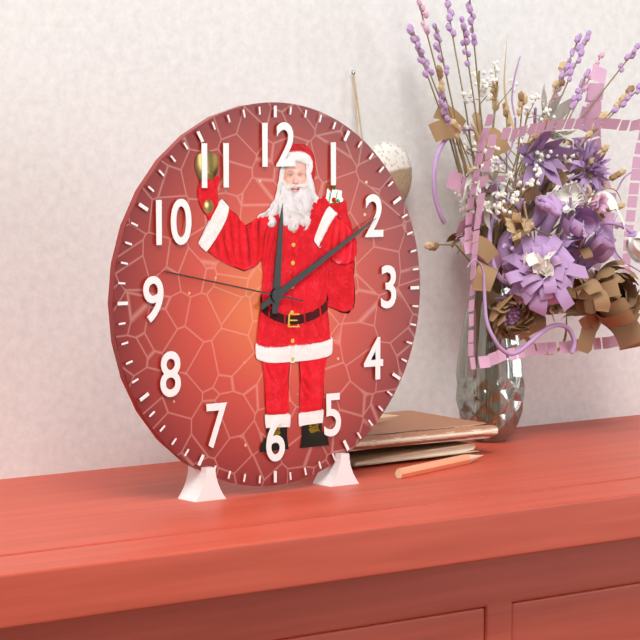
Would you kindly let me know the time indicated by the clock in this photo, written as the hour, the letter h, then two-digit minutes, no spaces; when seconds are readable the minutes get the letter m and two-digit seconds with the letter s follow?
12h10m47s
